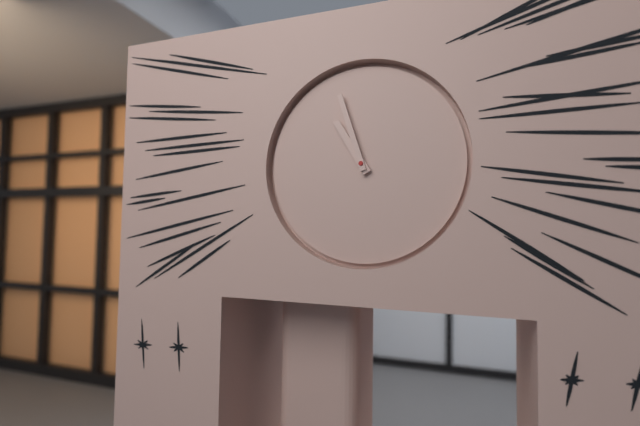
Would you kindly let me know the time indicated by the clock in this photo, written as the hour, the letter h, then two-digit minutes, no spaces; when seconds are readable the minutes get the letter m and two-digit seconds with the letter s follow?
10h57
